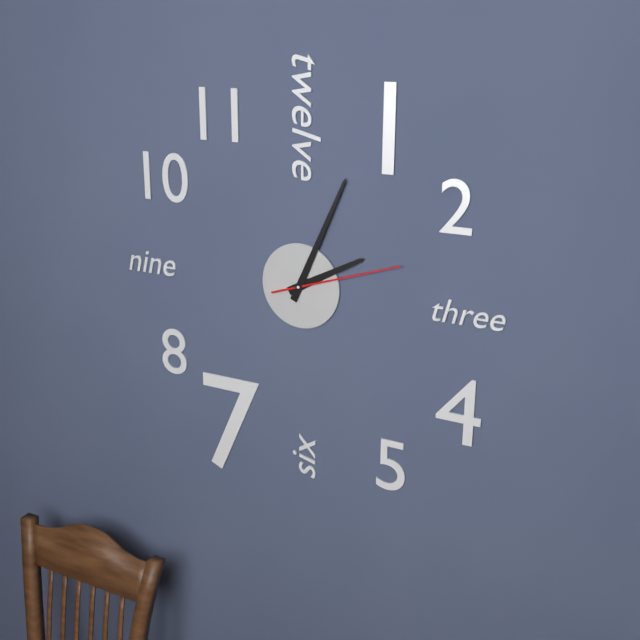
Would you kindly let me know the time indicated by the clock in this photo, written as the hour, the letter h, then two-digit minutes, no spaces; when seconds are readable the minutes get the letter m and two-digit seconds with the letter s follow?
2h04m12s
